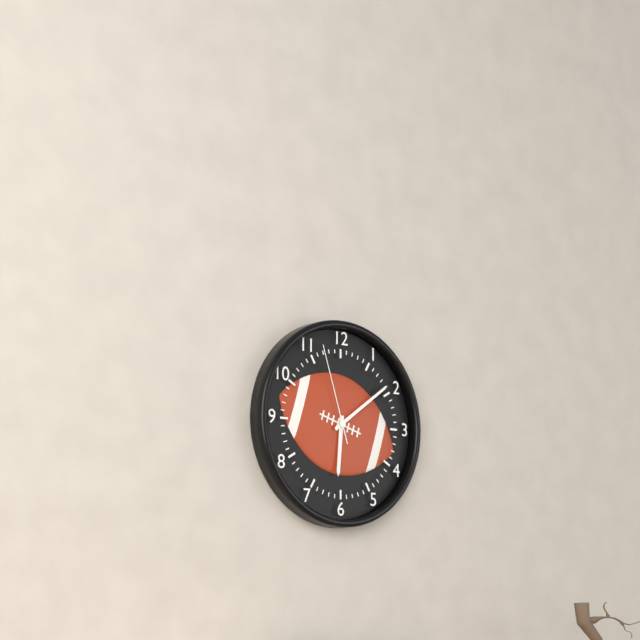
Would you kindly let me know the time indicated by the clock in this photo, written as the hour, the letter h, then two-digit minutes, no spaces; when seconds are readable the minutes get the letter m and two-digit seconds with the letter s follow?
6h09m57s
